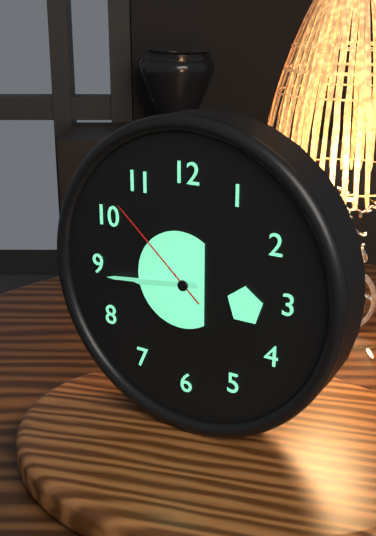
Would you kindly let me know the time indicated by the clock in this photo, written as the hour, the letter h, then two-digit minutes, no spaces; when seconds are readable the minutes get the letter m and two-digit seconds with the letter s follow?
8h44m52s
